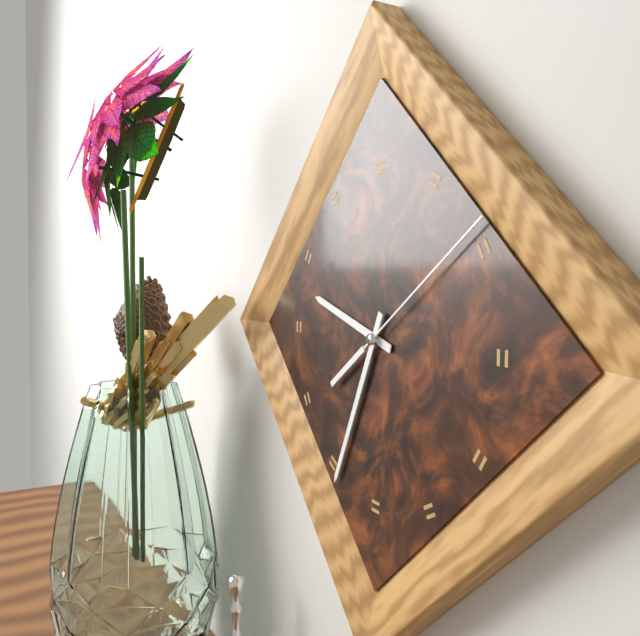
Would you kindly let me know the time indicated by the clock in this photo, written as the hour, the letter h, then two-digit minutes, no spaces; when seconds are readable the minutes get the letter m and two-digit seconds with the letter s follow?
9h34m09s
